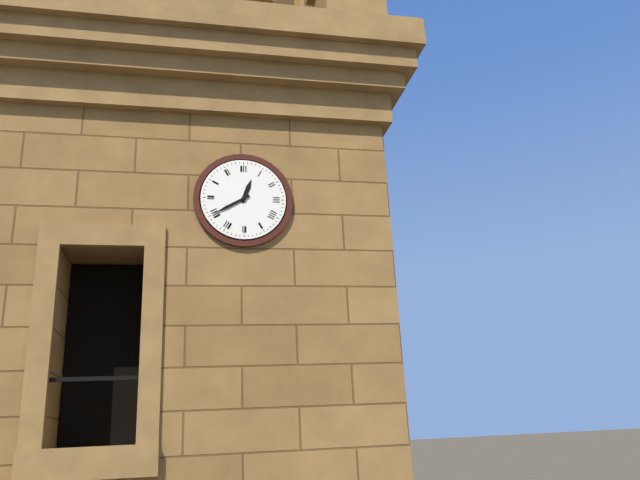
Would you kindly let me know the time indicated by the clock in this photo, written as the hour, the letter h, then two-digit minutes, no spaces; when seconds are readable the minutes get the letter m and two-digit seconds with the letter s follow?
12h40
